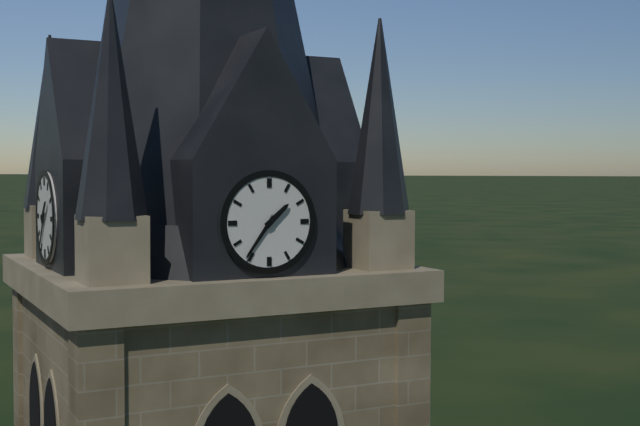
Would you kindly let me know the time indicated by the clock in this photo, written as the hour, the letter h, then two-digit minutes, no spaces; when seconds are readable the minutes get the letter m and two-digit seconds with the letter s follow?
1h36
